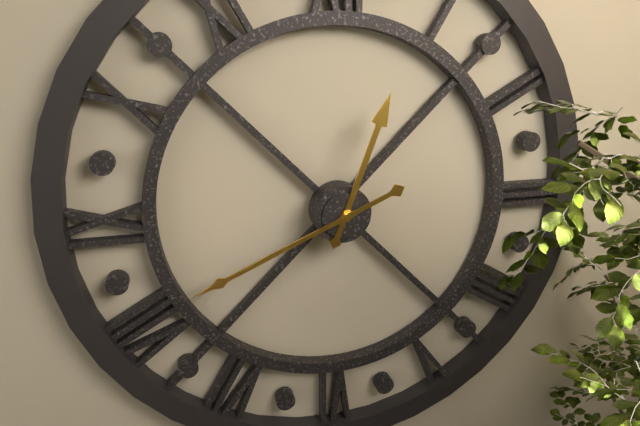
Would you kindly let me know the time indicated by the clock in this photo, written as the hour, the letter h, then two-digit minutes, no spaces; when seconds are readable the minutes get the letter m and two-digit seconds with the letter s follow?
12h41
